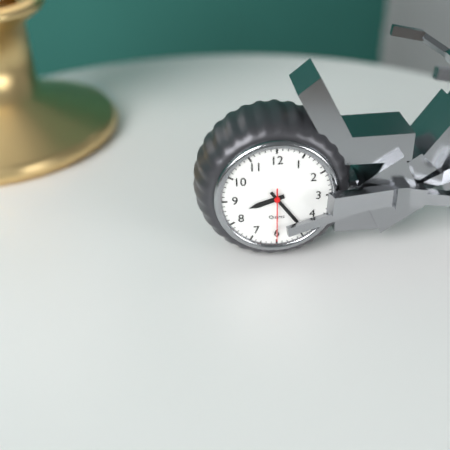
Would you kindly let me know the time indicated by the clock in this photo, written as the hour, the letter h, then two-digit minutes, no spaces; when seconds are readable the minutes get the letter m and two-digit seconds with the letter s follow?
8h24m30s
